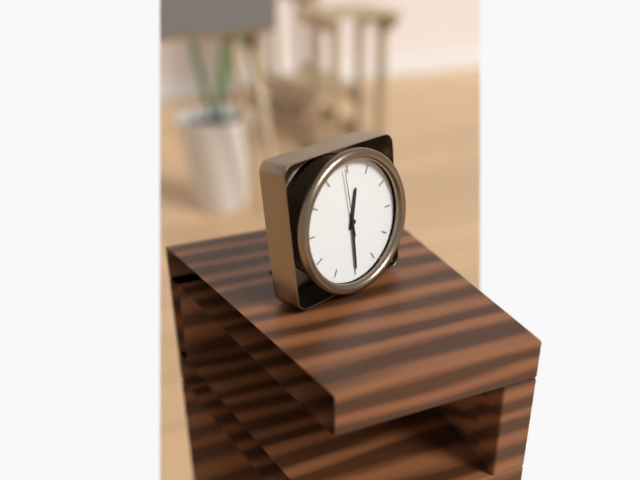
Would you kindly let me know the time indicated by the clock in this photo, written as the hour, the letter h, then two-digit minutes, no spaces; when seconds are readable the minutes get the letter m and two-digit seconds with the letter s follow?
12h30m59s
